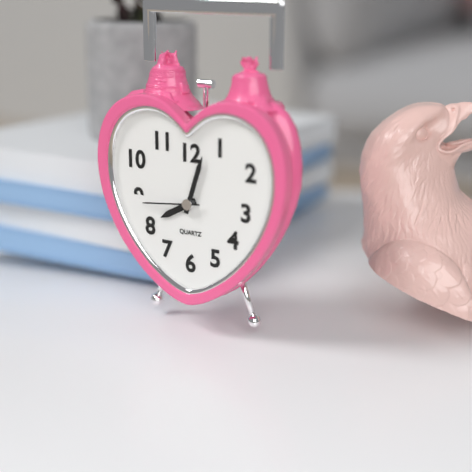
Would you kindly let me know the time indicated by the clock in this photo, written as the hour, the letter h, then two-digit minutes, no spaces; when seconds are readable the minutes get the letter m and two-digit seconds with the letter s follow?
8h03m44s
